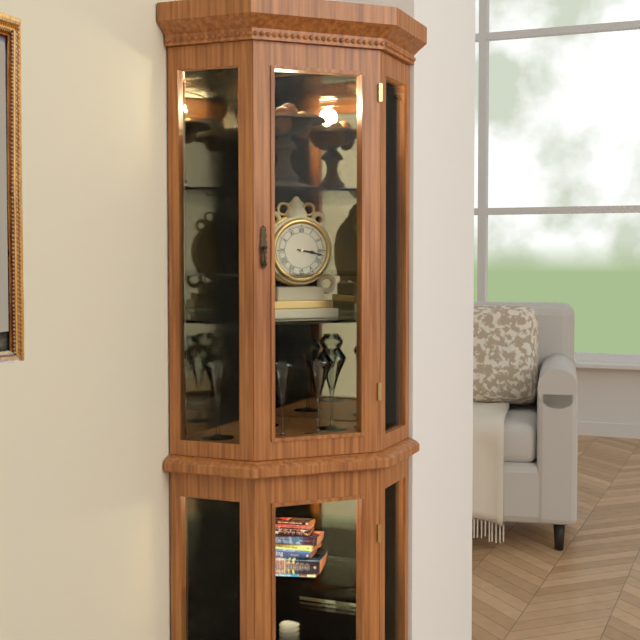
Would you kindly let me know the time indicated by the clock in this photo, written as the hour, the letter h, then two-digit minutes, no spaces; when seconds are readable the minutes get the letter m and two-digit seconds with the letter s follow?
3h17
